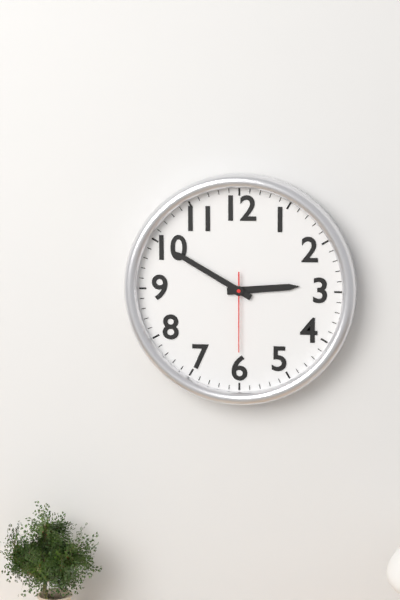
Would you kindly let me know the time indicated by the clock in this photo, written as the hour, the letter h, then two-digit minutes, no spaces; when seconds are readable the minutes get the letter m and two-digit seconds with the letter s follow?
2h50m30s
